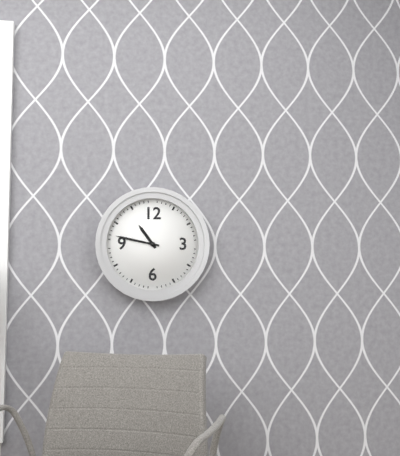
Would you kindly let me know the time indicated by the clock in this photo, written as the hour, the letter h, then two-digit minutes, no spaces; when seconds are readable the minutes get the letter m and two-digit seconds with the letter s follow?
10h47
